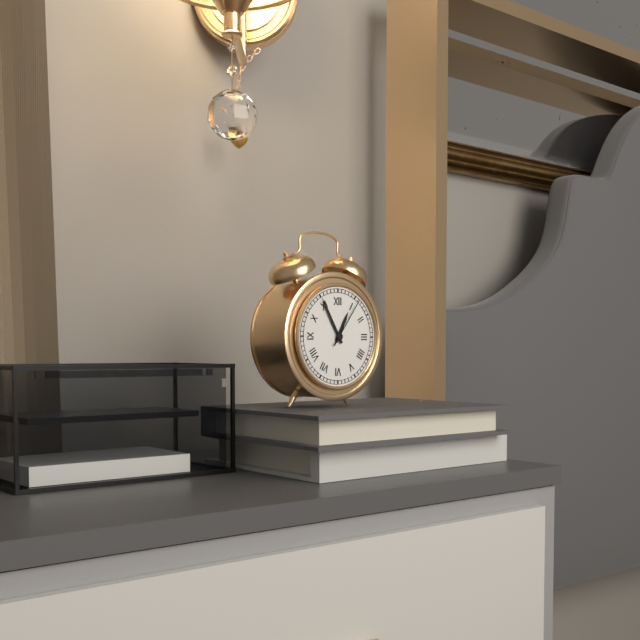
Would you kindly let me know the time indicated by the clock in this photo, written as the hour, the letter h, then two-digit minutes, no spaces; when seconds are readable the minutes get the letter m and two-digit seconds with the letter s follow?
12h55m06s
